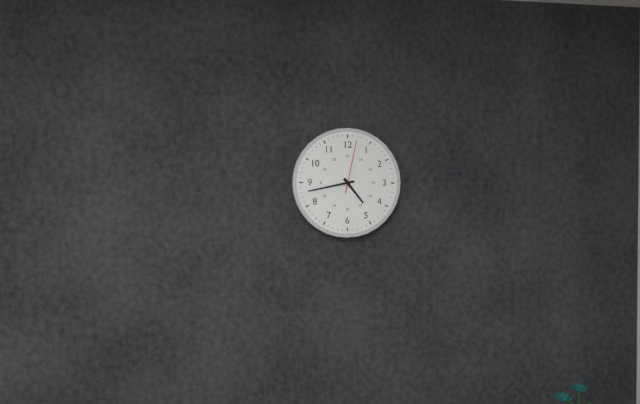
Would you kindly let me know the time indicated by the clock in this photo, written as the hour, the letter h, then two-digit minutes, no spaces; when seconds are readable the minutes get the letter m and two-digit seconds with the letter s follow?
4h43m02s
